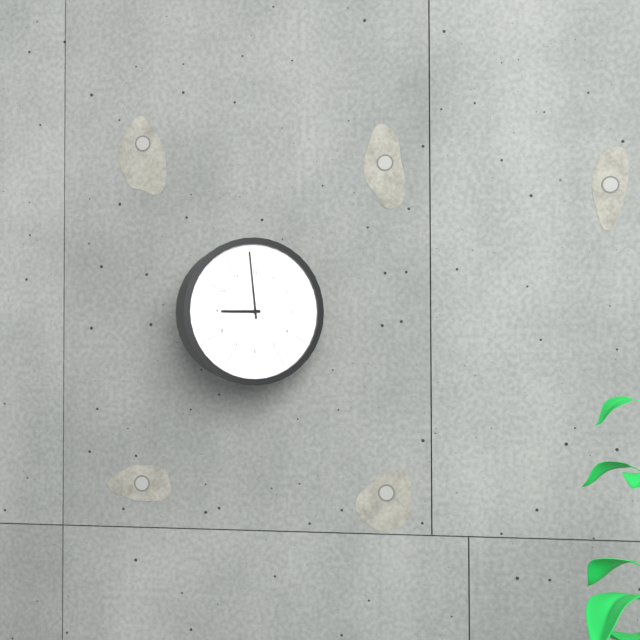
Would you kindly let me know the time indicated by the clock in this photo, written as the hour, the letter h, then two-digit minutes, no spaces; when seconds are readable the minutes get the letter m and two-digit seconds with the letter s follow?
8h59
